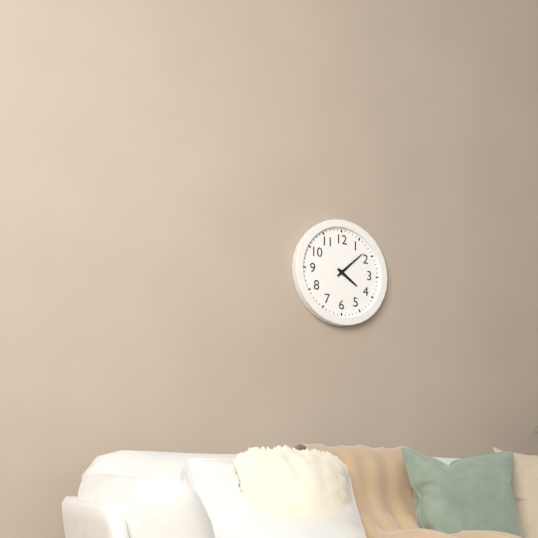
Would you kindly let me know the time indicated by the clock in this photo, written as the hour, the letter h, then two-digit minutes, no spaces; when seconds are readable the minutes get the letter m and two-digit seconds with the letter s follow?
4h08
